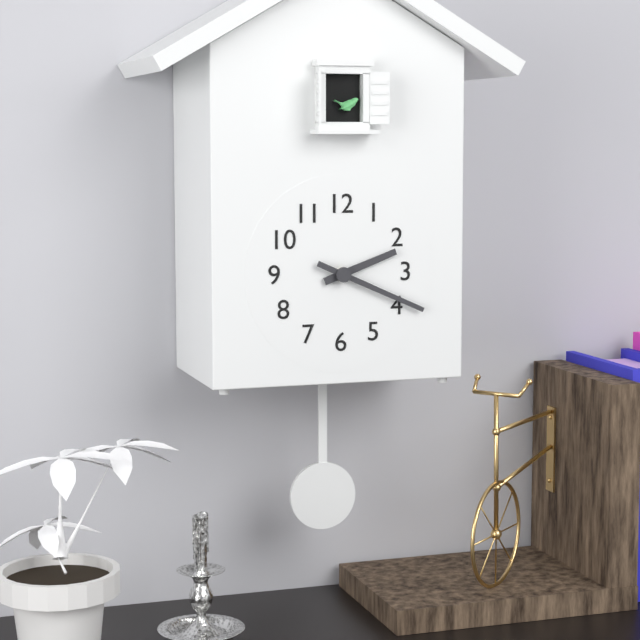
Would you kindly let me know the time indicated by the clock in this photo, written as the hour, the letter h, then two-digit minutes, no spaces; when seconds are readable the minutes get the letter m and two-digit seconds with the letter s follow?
2h19
